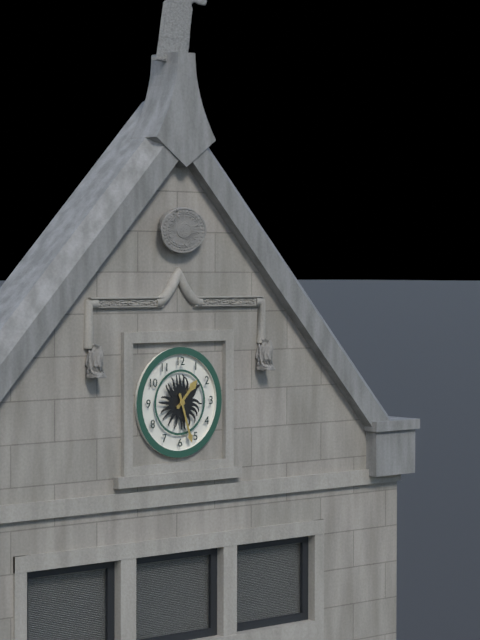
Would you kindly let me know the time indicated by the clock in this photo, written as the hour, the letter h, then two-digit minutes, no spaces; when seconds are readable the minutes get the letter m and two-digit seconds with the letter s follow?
1h27
